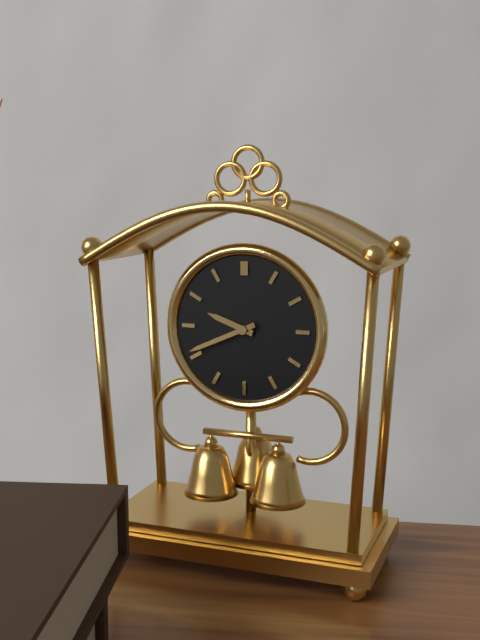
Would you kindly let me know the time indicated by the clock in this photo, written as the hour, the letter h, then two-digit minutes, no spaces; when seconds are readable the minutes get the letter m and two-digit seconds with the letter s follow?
9h41
